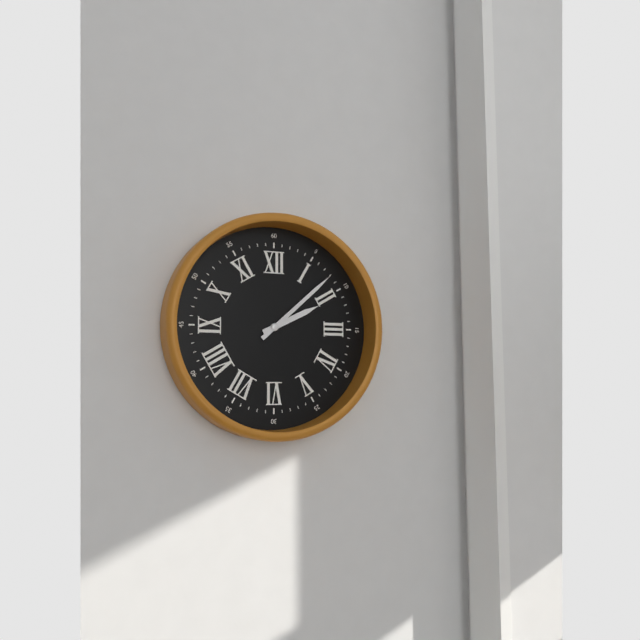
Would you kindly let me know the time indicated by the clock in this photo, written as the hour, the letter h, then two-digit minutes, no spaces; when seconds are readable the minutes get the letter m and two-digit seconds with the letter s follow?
2h08
